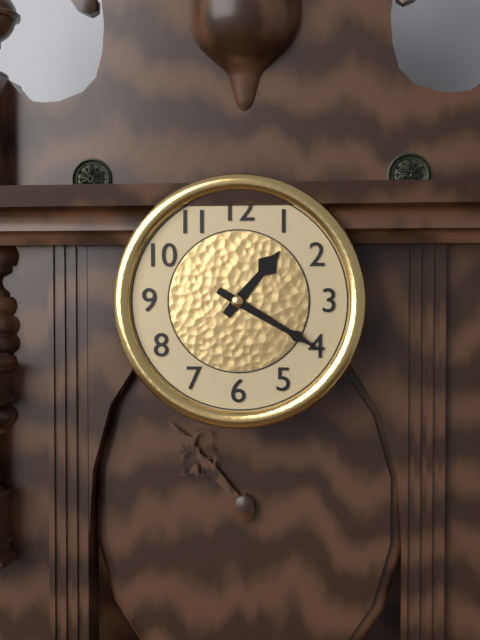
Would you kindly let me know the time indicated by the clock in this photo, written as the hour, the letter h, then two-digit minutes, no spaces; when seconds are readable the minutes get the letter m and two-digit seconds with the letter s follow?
1h20
